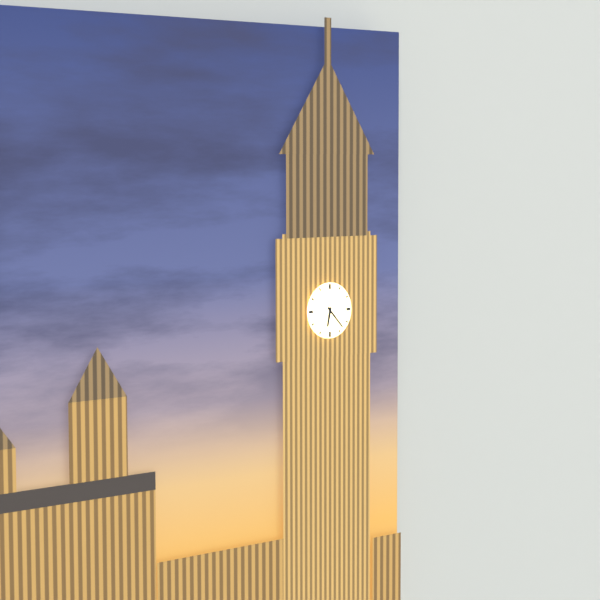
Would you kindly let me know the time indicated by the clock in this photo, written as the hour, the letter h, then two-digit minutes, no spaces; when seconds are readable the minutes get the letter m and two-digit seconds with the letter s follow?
6h23
